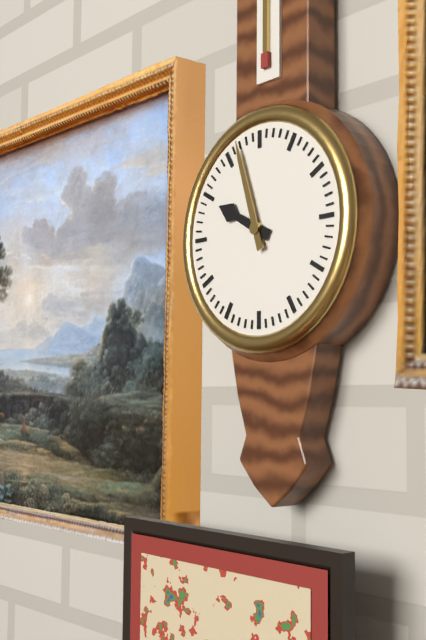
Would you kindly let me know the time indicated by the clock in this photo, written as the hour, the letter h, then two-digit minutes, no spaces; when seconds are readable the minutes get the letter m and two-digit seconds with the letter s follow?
9h57
